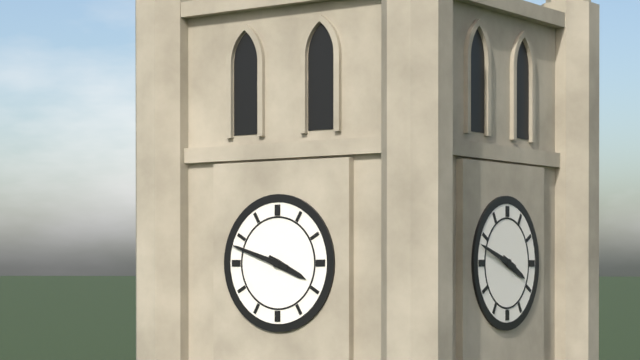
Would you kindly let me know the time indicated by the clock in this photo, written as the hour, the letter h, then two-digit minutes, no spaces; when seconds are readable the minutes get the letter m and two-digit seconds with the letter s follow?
3h48
